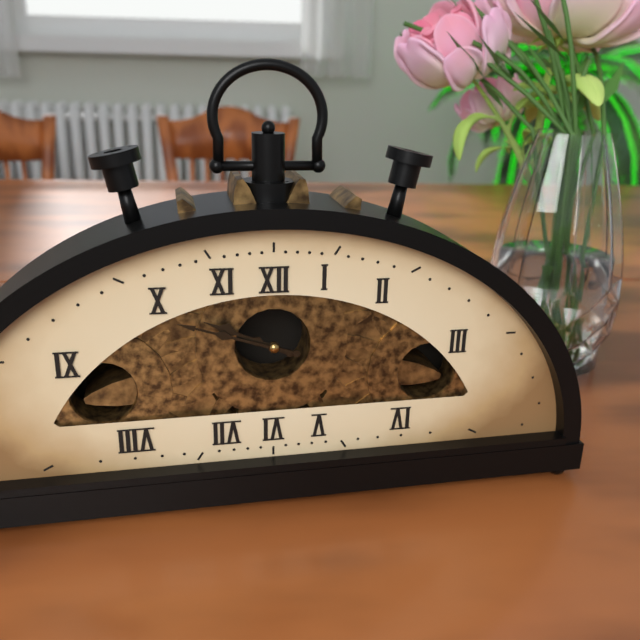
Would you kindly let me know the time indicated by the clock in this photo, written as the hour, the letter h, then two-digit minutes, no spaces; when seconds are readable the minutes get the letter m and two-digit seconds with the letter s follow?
9h48
